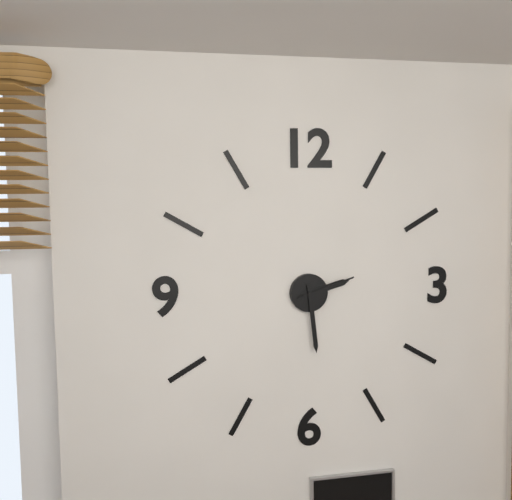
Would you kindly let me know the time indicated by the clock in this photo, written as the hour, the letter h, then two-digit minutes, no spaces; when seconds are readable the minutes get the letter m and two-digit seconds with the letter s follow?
2h29m12s
